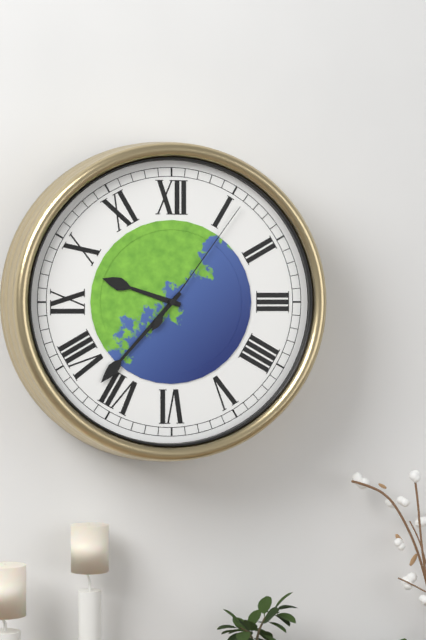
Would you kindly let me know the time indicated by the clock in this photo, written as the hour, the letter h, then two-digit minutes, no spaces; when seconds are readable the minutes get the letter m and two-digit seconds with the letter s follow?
9h37m06s
